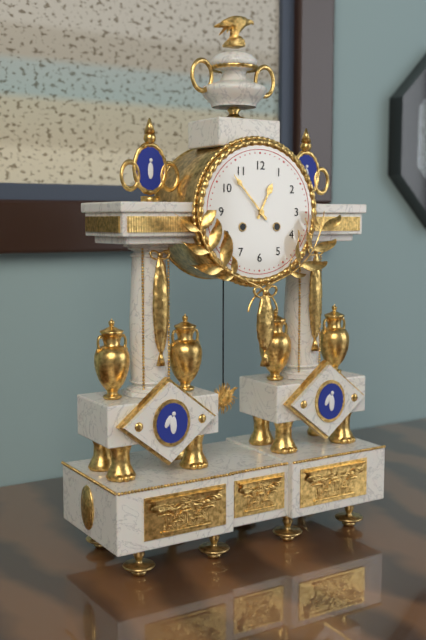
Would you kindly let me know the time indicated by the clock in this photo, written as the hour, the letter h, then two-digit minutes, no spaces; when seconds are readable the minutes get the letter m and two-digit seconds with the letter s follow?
12h53
